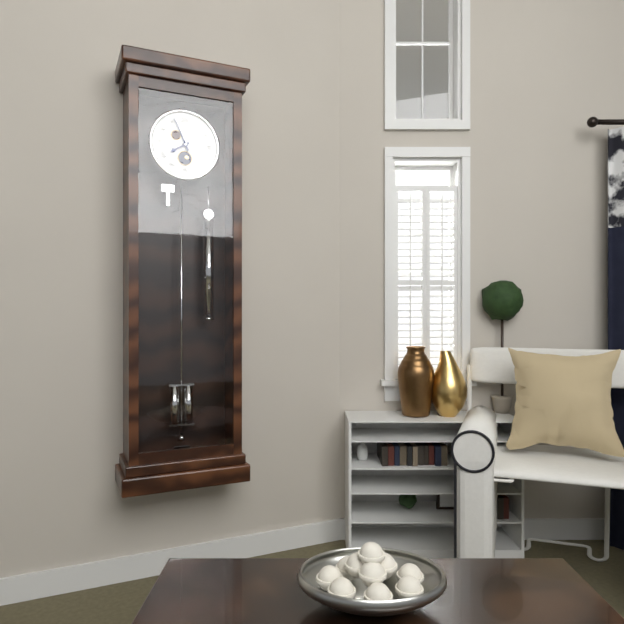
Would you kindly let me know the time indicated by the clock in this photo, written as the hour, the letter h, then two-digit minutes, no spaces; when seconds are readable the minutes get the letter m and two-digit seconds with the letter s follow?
7h56
